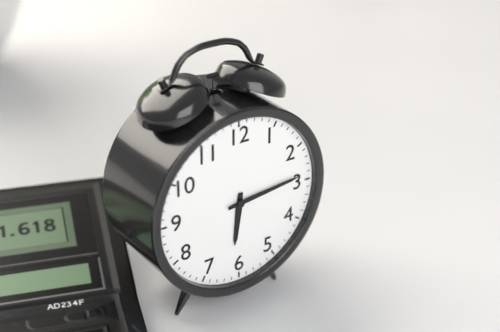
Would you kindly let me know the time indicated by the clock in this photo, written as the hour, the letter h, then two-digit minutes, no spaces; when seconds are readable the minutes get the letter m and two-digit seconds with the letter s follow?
6h14
